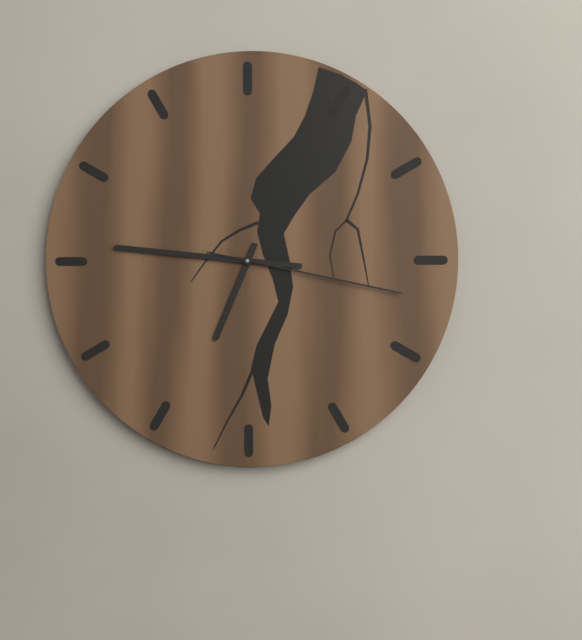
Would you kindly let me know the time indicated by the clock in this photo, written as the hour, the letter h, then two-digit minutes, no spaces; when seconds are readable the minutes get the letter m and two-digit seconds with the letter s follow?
6h46m17s
